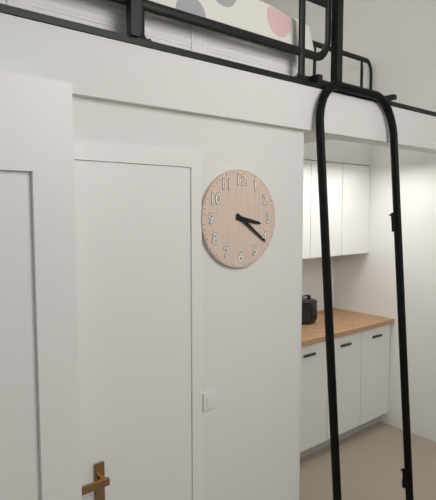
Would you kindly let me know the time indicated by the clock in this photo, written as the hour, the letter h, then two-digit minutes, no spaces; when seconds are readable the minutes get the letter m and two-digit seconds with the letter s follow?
3h21
